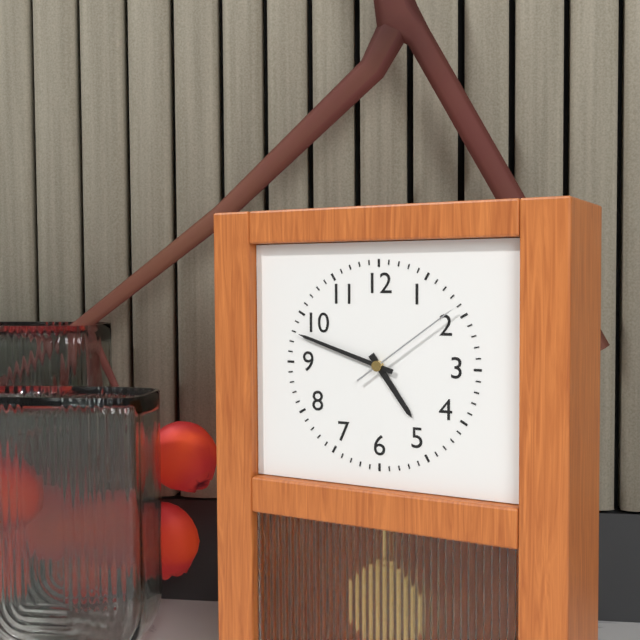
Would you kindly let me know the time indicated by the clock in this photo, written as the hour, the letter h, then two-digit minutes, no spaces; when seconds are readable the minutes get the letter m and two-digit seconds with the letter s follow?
4h48m09s
